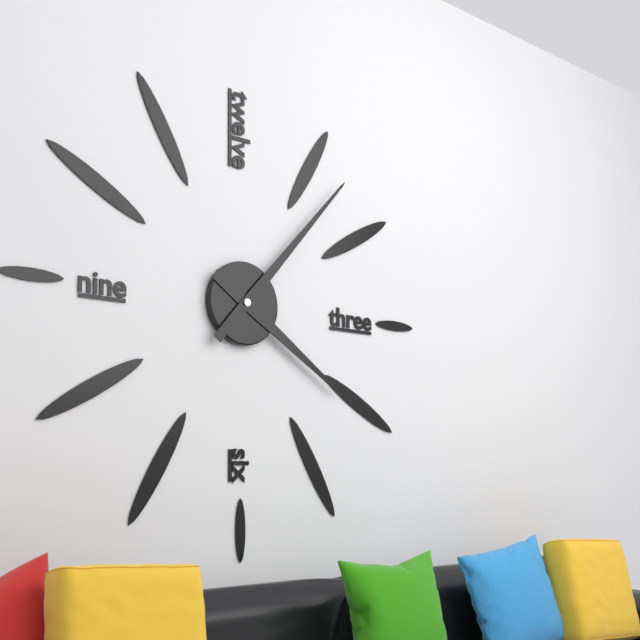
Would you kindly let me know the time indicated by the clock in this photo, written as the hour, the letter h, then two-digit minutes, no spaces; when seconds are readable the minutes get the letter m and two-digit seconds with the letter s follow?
4h07
